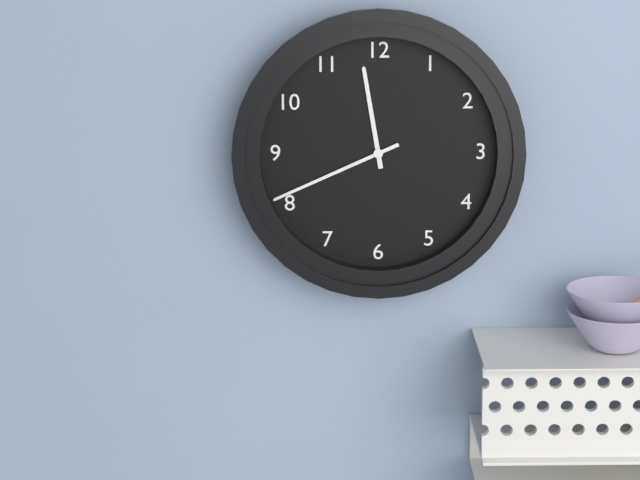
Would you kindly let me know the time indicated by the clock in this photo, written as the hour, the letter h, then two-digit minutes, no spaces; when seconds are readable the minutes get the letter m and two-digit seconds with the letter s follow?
11h41
